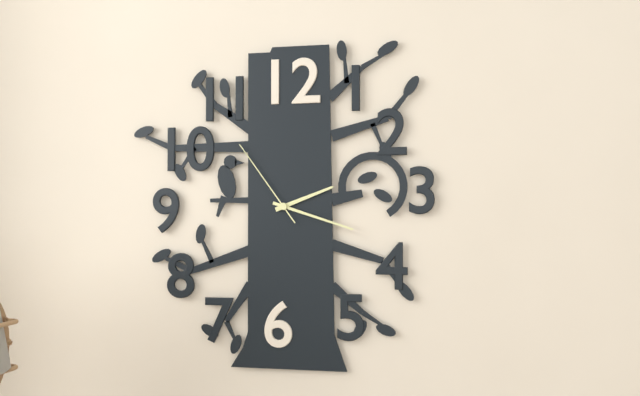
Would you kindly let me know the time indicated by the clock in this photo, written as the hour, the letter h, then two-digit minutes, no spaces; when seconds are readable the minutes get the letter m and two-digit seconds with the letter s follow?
2h18m54s
